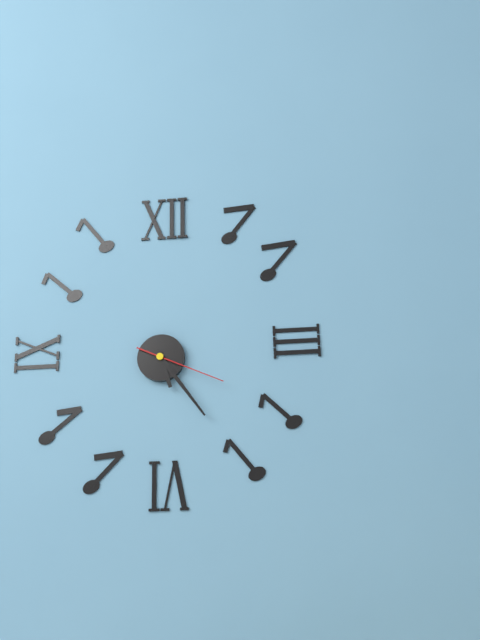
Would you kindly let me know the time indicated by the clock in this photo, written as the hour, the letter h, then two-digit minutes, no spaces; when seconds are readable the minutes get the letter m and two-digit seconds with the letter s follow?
5h24m19s
